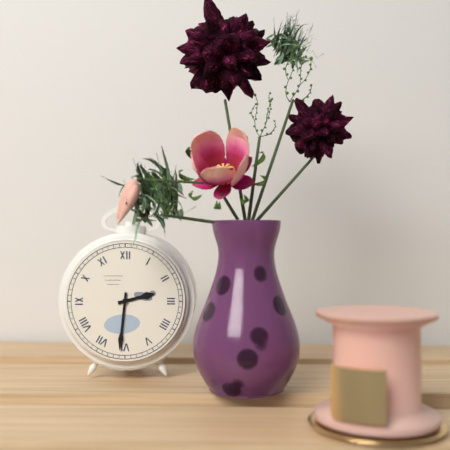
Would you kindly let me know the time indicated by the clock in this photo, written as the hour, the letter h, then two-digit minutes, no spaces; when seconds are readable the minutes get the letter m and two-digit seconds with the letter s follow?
2h31
